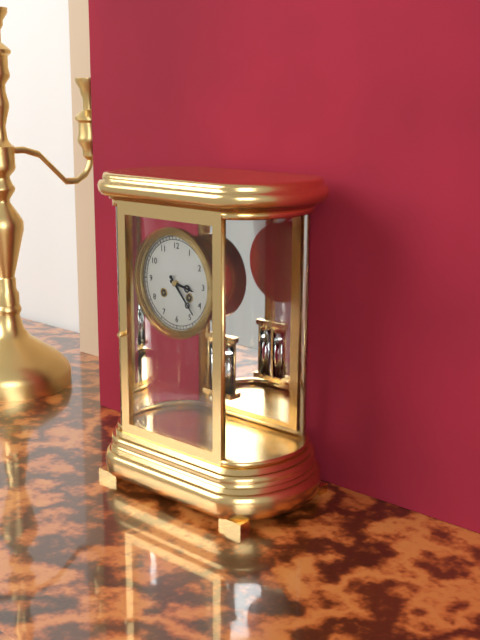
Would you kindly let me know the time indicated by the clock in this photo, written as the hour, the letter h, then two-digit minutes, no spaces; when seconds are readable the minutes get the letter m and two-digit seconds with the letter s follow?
3h23
